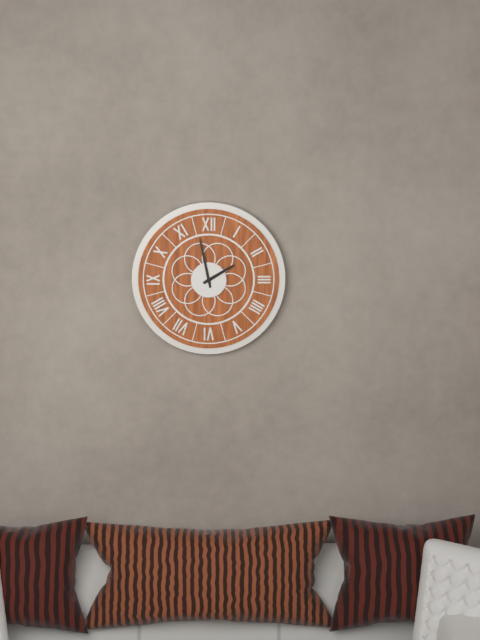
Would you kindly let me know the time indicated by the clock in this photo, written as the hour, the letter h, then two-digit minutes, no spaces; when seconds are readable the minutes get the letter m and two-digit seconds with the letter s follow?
1h58
